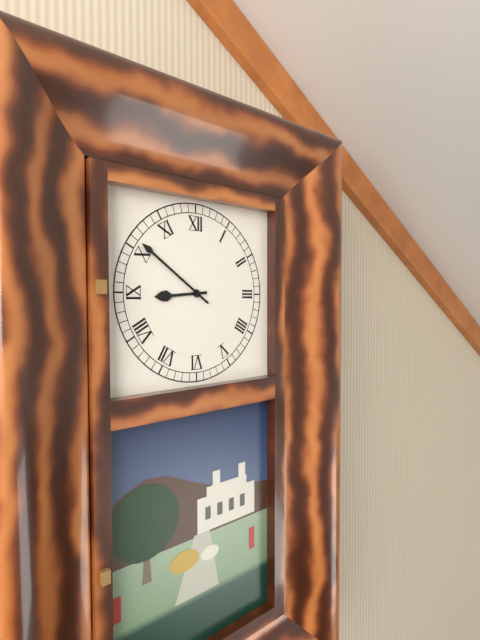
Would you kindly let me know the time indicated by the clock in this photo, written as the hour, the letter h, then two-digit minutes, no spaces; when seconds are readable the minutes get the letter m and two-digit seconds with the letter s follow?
8h51
